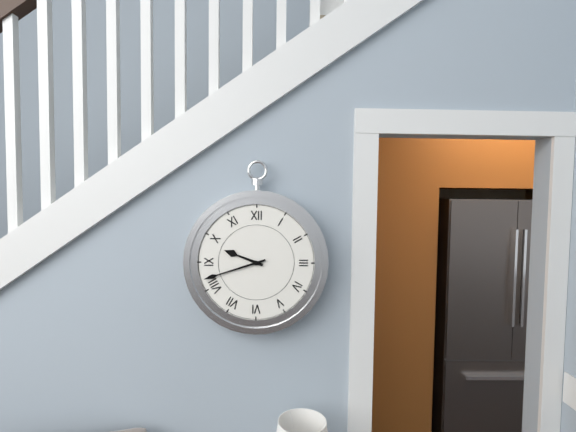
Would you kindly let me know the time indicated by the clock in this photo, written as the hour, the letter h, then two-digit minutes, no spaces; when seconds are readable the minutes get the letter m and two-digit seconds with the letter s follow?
9h42
